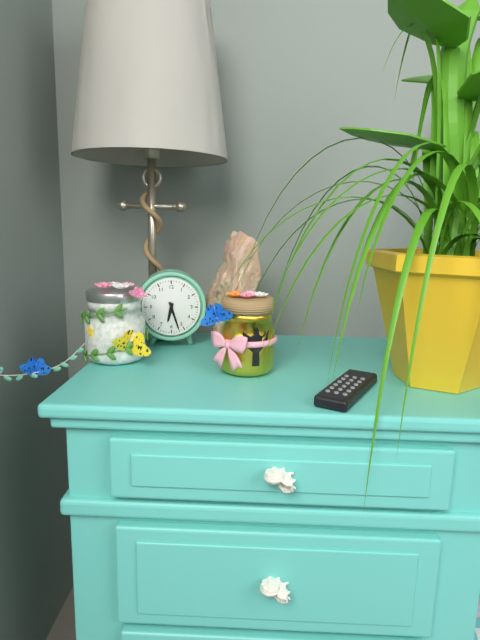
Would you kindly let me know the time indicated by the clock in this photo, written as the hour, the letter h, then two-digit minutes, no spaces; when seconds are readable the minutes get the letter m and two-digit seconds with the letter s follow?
6h27
